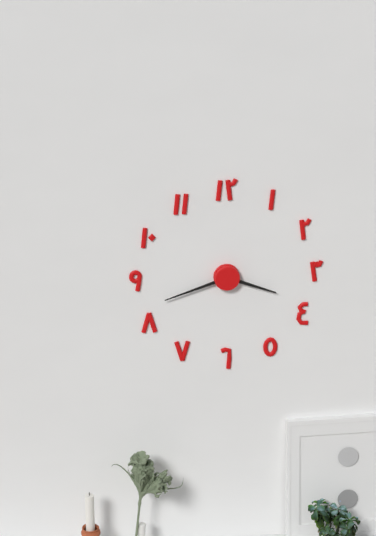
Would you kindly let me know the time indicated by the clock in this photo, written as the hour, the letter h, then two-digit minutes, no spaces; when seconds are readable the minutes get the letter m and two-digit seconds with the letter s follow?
3h42
